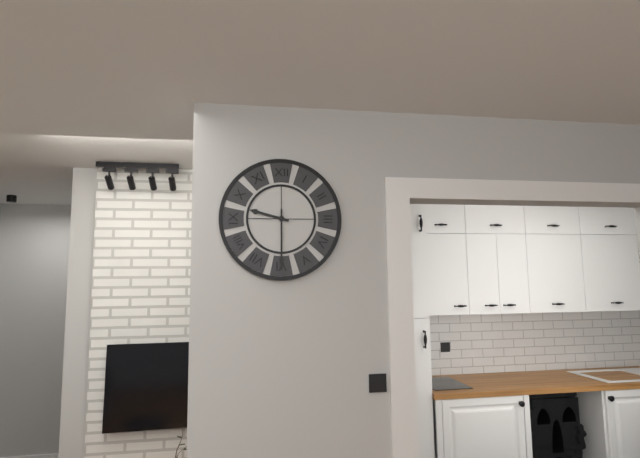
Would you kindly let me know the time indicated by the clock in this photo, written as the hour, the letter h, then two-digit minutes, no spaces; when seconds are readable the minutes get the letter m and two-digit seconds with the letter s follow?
9h30
